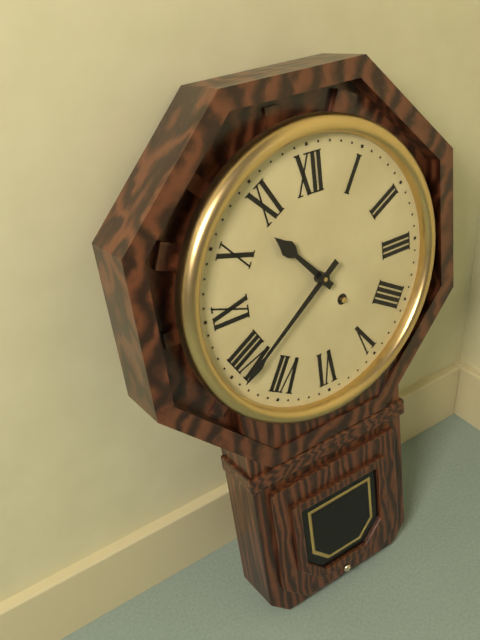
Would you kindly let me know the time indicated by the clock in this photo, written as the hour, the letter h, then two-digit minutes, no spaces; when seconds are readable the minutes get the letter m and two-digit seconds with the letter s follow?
10h39
